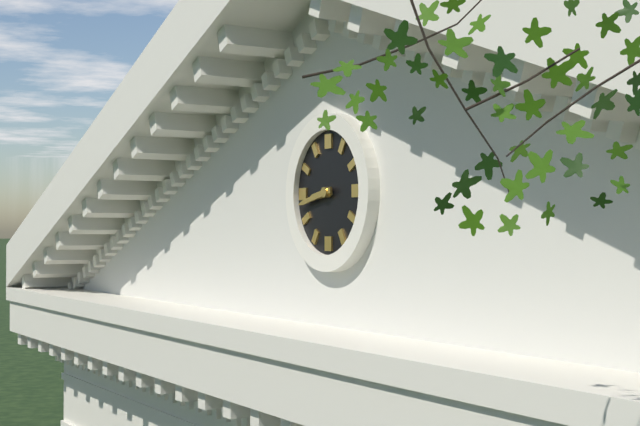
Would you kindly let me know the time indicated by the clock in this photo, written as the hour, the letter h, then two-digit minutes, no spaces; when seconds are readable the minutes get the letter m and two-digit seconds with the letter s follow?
8h43
